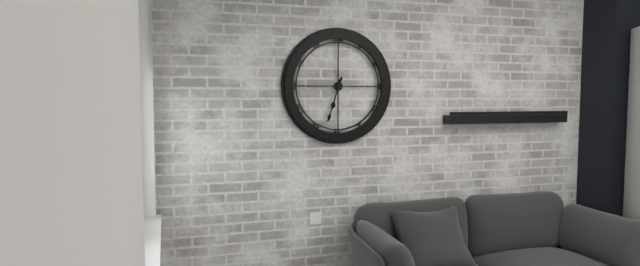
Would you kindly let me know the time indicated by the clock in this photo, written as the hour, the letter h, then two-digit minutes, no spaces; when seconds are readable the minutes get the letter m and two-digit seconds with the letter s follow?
6h33
